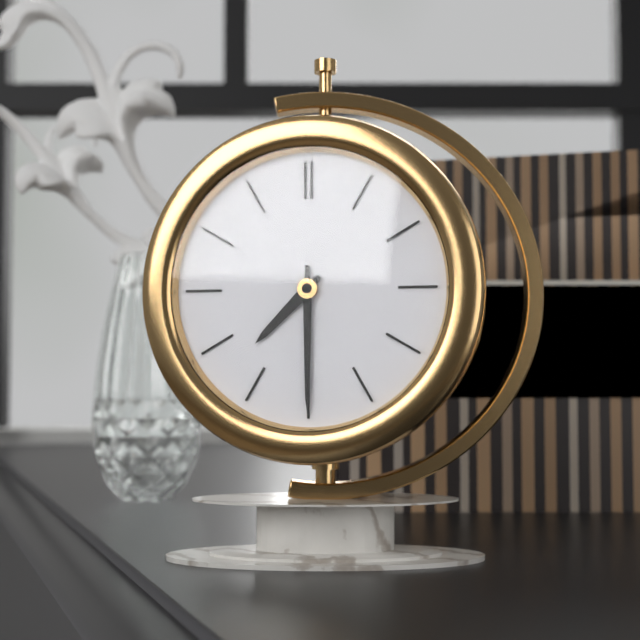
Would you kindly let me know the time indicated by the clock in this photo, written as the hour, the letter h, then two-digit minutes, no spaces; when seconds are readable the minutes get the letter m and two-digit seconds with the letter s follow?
7h30
